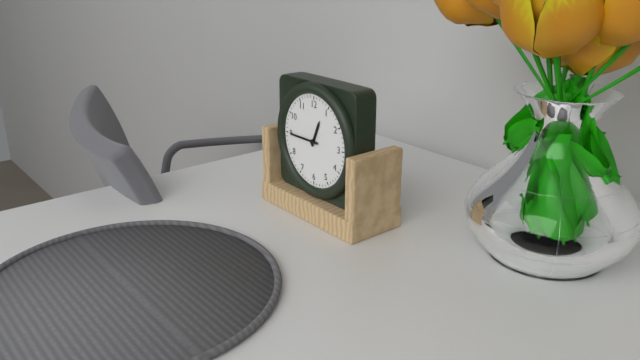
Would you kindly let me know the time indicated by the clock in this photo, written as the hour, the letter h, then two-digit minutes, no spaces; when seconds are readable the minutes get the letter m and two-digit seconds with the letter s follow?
12h45
